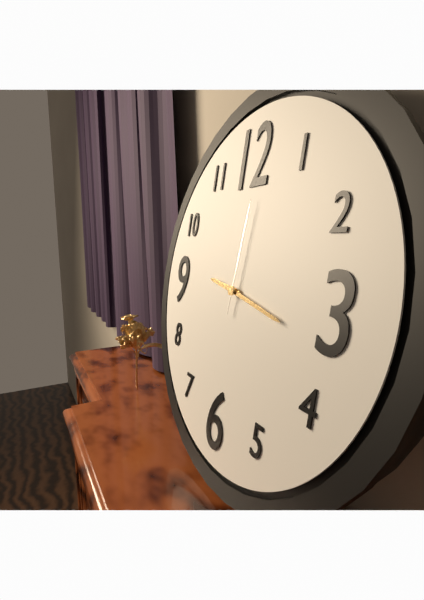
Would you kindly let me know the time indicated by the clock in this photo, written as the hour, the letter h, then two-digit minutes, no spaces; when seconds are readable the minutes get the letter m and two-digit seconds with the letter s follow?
9h17m01s
